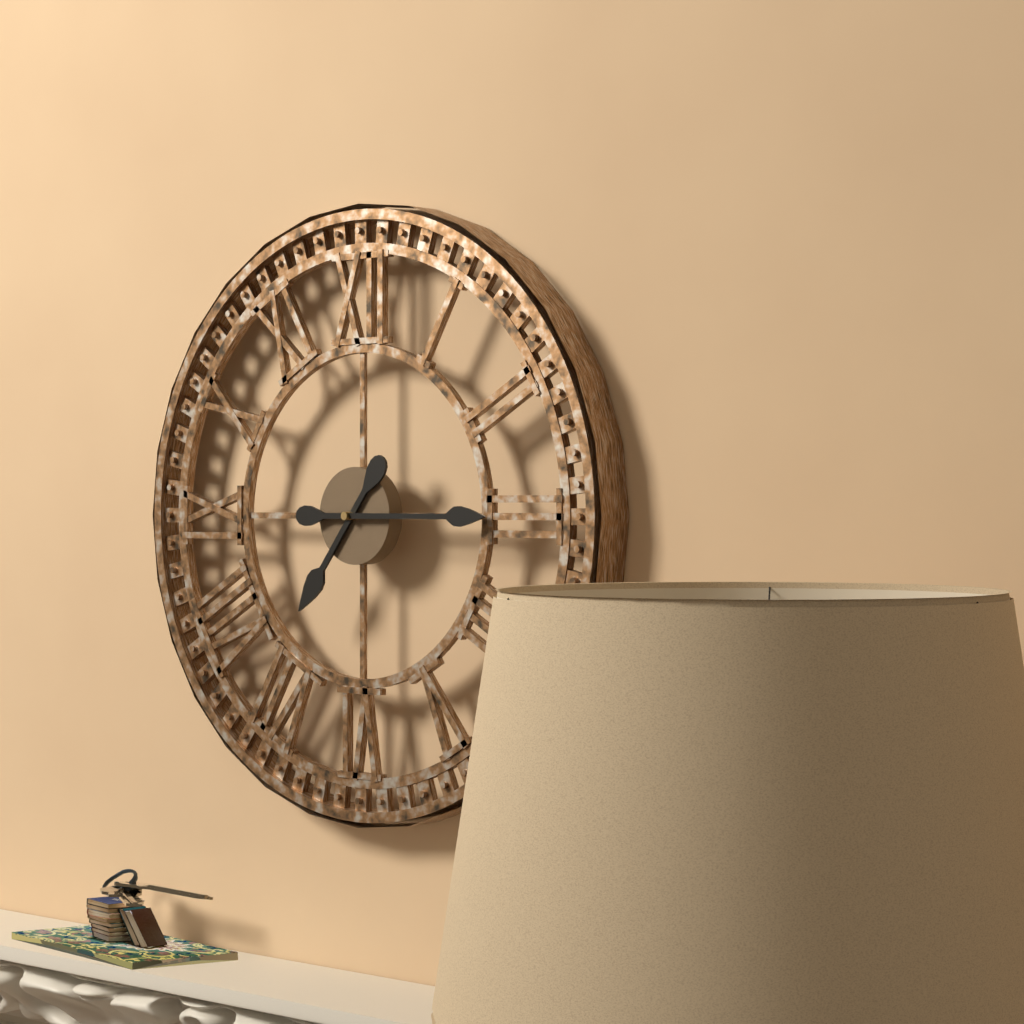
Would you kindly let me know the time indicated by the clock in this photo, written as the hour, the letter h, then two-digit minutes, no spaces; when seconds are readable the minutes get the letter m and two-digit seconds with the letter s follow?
7h15
